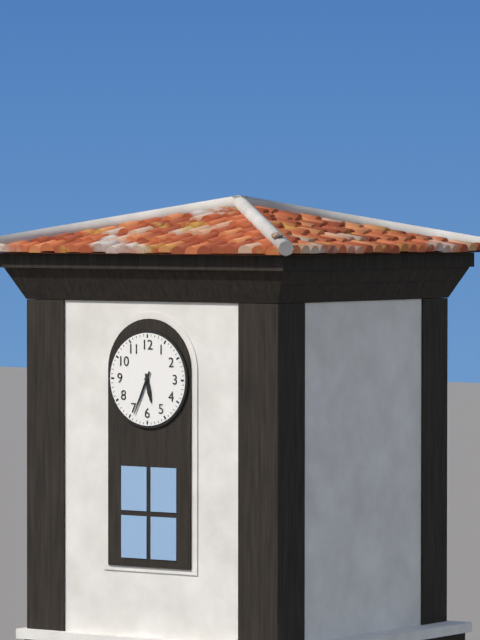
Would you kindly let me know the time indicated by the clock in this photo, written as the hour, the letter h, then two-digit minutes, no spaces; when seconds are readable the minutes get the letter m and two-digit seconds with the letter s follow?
5h34
